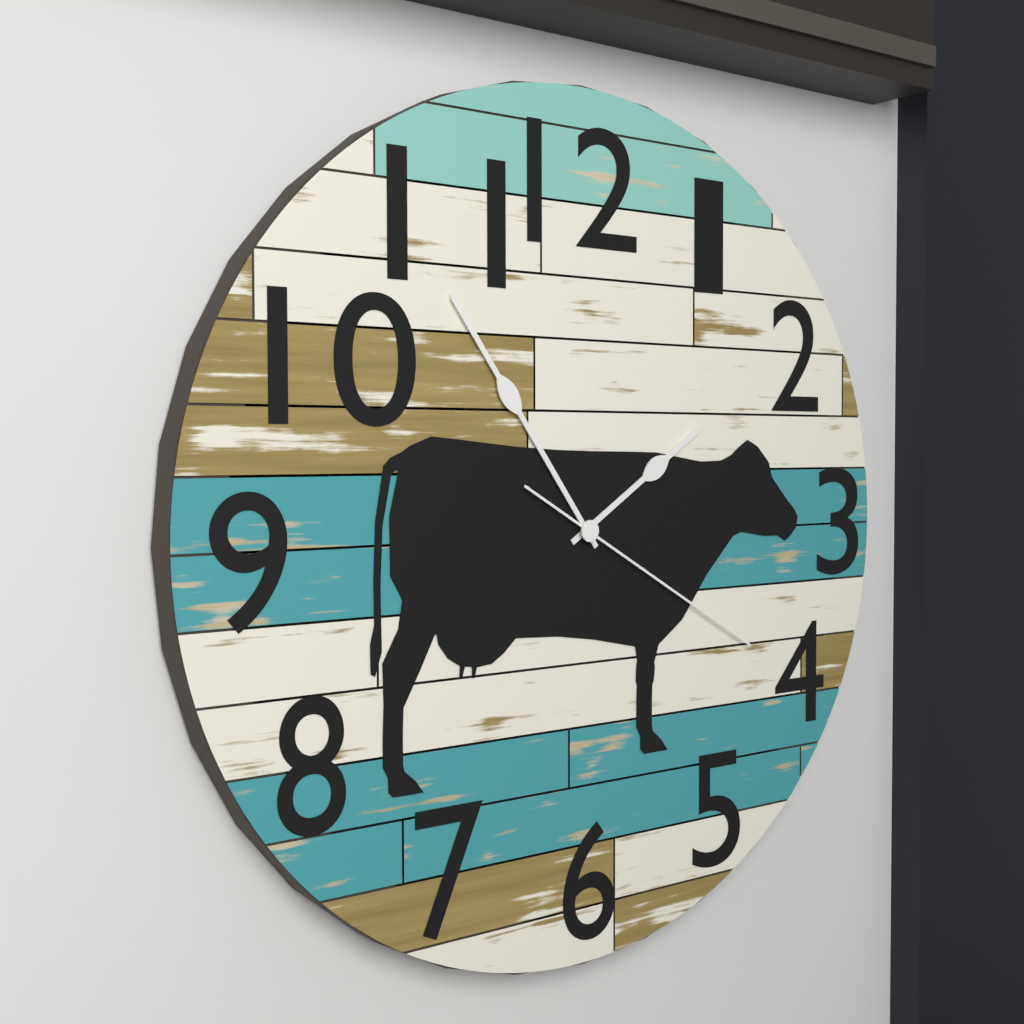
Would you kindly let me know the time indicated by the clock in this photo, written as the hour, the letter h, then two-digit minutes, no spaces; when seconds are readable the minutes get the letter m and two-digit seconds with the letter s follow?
1h54m20s
